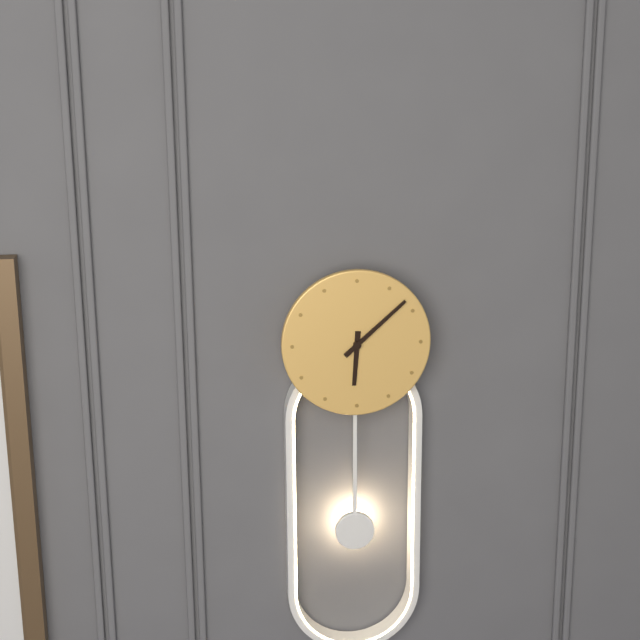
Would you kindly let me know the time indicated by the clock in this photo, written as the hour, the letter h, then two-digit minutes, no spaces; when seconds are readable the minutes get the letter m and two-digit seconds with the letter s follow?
6h08
